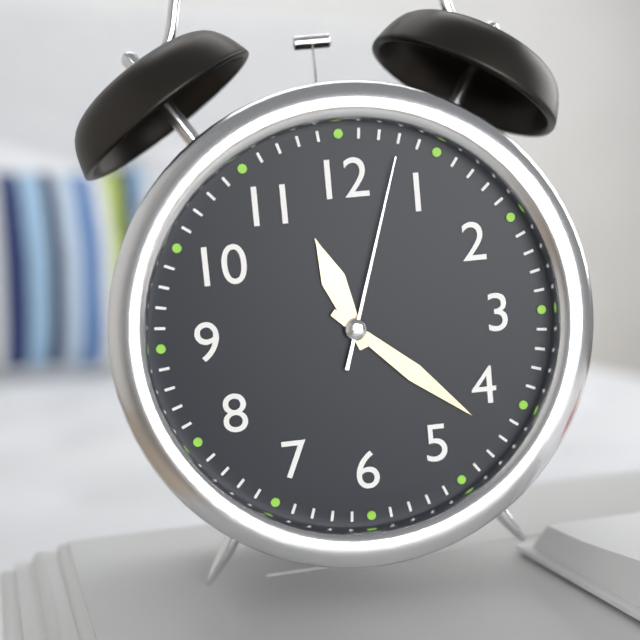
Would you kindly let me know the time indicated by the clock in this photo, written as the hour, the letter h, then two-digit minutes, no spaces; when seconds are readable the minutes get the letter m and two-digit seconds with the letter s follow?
11h22m03s
